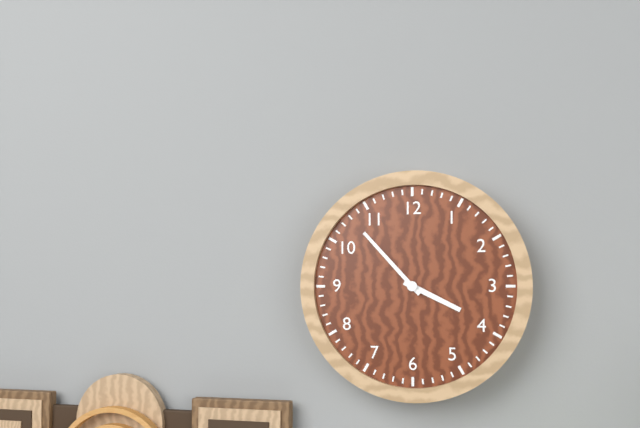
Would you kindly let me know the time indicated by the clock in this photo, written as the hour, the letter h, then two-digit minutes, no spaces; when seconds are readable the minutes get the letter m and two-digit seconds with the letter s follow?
3h53
